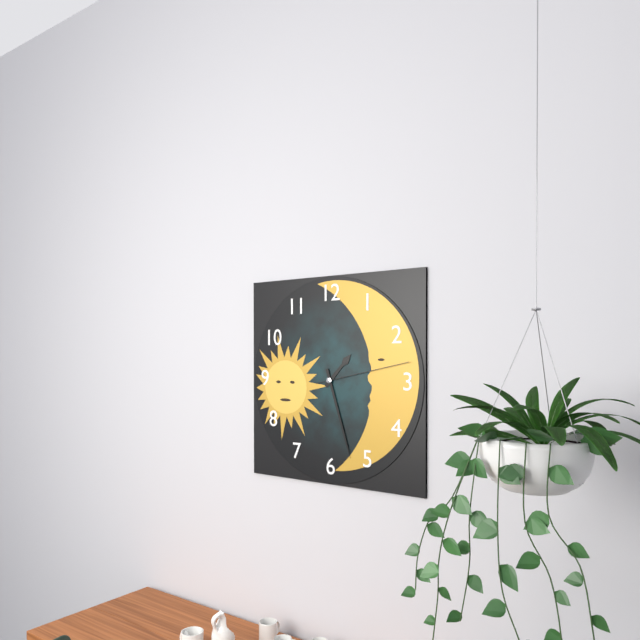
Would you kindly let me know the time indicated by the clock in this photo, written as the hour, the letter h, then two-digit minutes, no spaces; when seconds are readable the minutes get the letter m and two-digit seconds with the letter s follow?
1h27m13s
